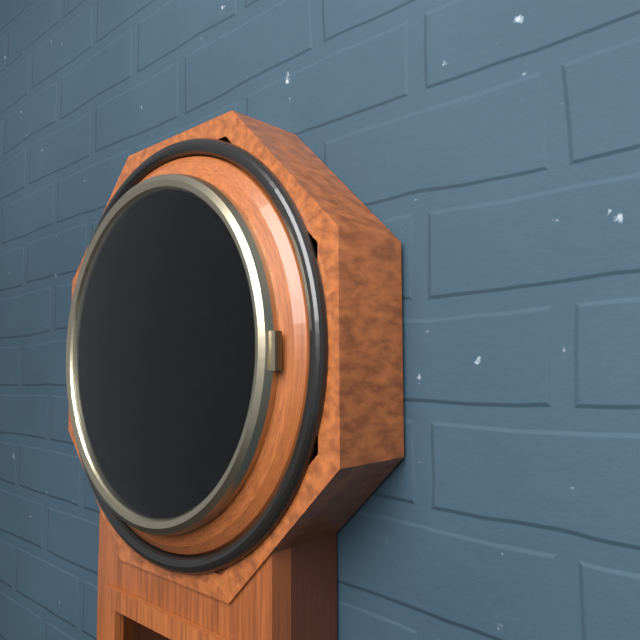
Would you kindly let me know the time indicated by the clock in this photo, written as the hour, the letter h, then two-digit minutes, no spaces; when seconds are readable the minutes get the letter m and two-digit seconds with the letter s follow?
8h01
